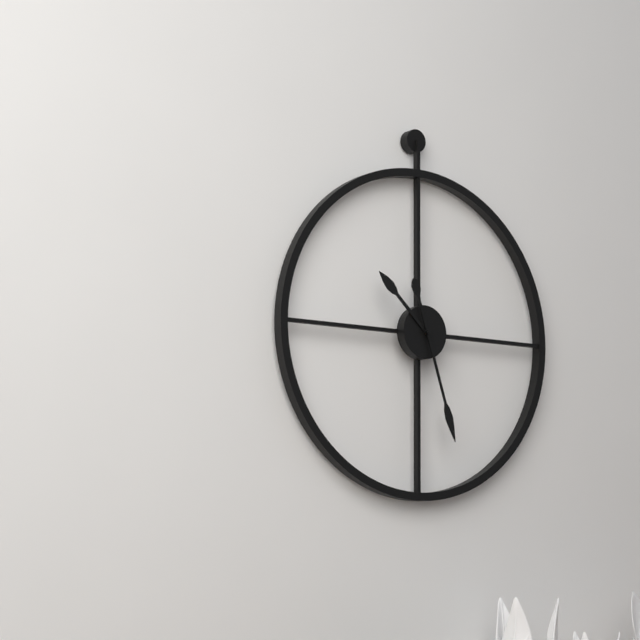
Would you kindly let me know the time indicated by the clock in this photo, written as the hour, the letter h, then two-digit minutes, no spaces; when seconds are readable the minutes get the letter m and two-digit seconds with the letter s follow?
10h27
